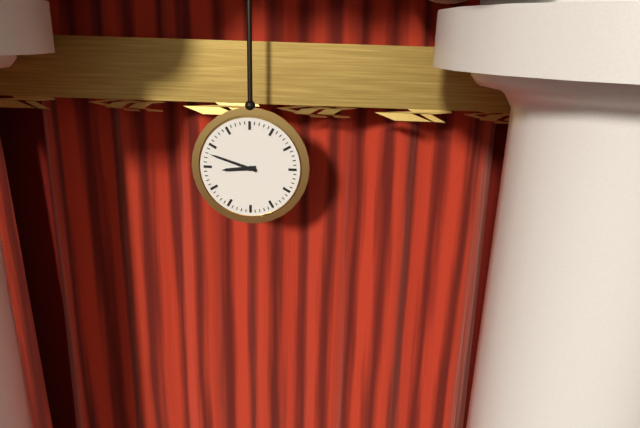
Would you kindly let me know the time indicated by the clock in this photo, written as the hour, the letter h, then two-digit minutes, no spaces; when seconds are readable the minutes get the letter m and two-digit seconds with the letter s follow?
8h48
